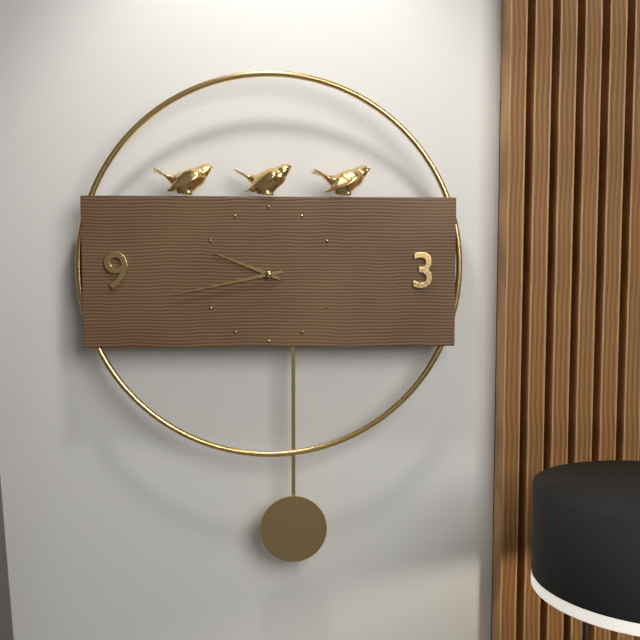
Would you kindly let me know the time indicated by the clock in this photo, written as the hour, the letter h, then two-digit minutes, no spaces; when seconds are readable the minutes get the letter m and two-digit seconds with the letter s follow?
9h43
